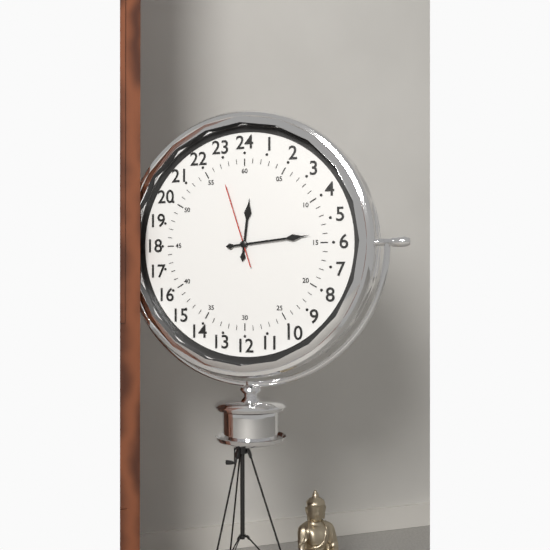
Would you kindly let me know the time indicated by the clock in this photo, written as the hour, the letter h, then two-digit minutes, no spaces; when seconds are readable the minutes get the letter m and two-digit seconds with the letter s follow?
12h14m57s
